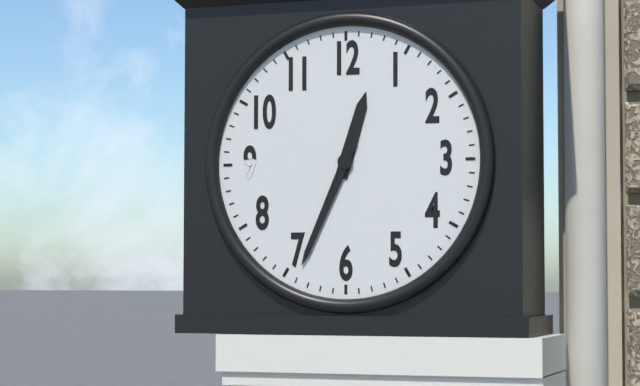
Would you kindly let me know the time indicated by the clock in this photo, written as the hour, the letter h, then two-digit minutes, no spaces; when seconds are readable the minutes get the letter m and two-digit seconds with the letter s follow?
12h34
